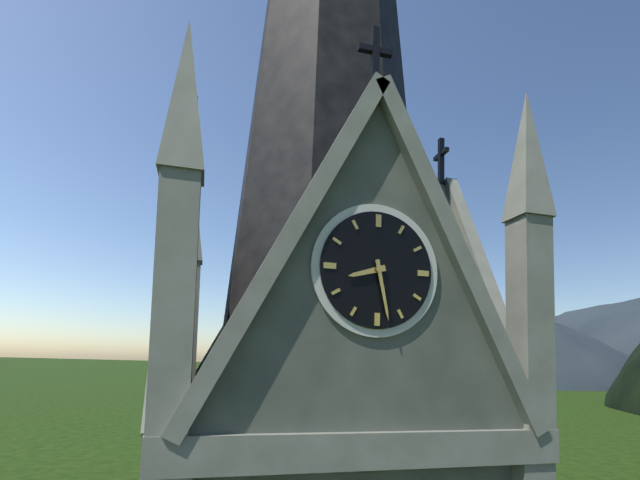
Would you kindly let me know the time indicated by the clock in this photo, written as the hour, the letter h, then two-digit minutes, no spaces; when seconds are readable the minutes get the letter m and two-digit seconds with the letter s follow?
8h28
